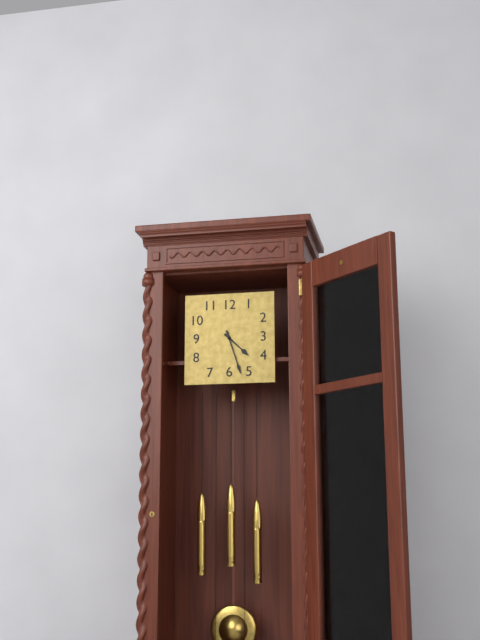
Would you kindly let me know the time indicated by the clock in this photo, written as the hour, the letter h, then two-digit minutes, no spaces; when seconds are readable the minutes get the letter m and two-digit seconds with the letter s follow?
4h27
